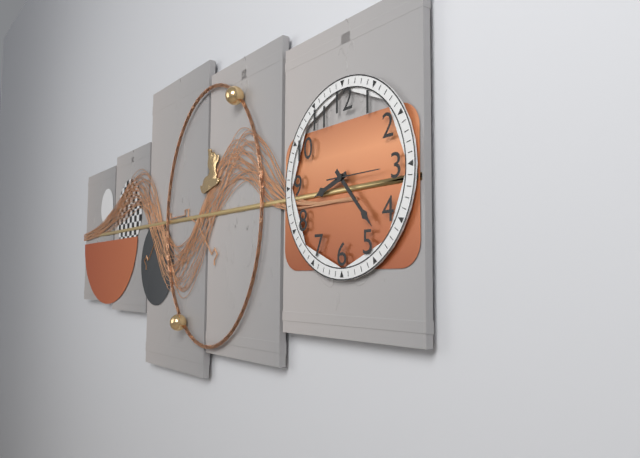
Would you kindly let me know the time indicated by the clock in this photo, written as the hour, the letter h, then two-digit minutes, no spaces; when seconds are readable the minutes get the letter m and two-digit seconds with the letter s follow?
8h23m15s
